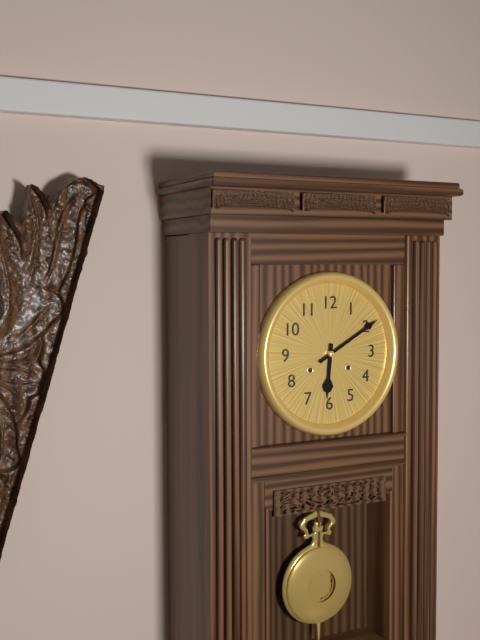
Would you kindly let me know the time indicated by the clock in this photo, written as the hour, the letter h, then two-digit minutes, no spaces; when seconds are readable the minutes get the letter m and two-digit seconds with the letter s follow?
6h10
